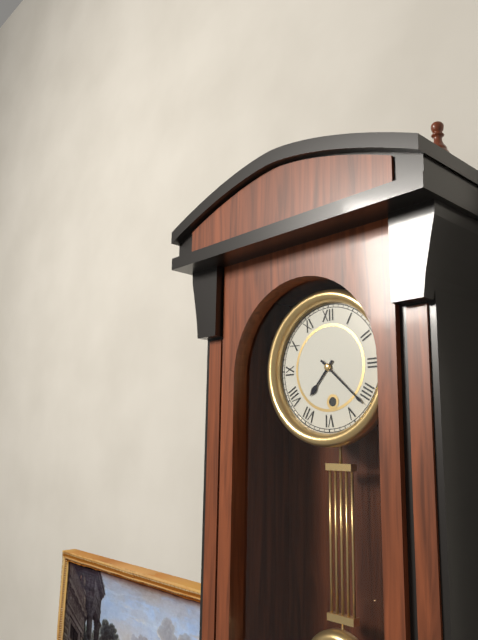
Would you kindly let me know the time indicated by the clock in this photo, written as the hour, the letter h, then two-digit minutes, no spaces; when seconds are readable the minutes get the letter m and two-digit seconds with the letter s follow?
7h22
